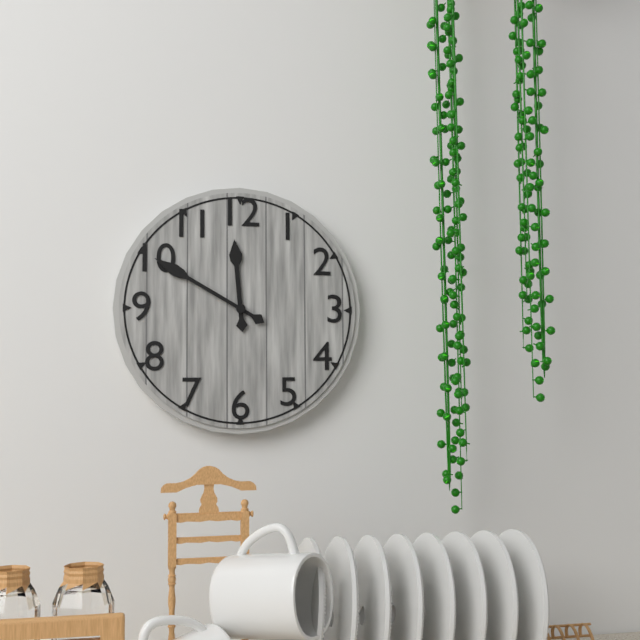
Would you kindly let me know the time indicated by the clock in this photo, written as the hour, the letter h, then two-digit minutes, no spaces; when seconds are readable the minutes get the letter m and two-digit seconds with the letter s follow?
11h50
